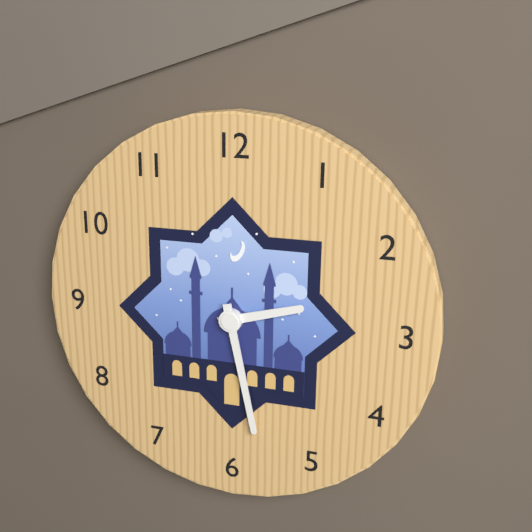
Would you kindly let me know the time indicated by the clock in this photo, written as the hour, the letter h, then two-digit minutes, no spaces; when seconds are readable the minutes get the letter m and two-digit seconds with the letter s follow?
2h28
